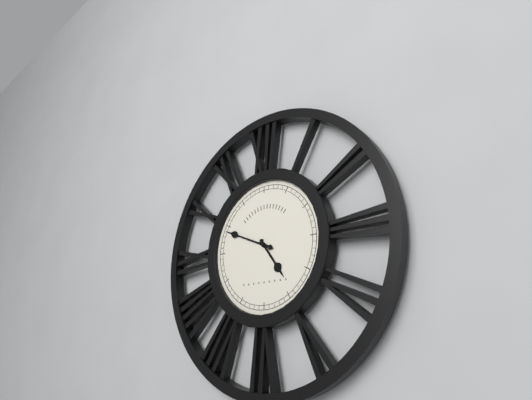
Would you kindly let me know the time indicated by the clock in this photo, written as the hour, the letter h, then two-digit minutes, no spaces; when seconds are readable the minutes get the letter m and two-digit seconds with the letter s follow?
4h49
